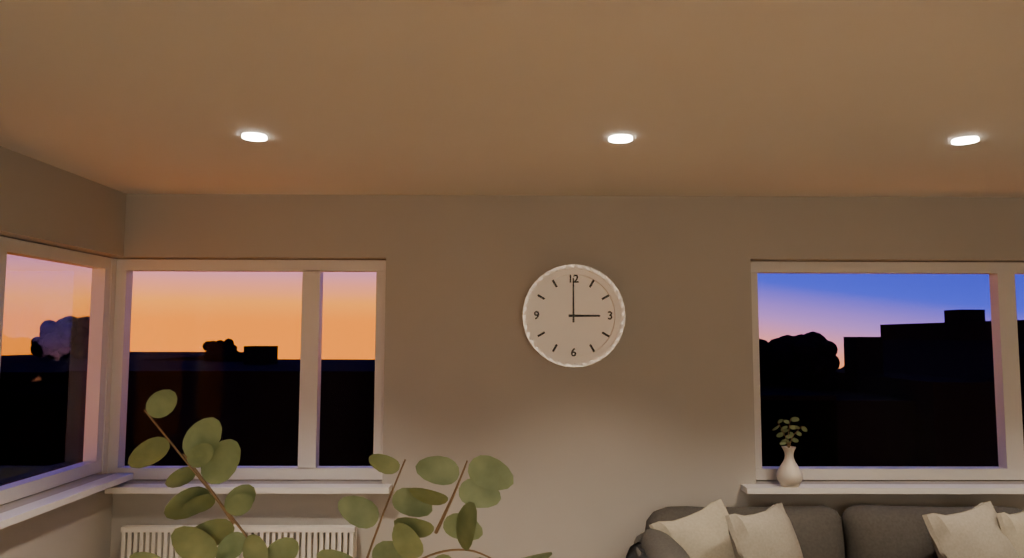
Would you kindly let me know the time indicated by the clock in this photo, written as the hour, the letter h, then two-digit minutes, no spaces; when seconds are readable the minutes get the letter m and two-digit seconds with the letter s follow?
3h00
